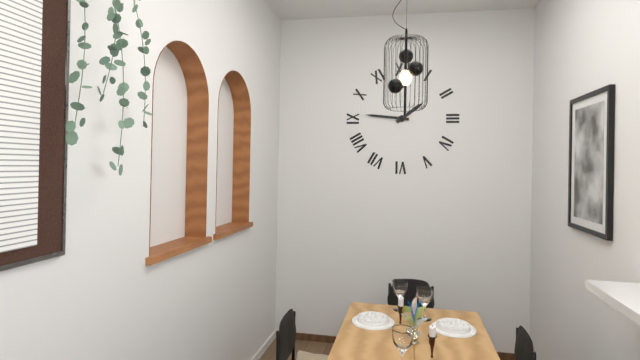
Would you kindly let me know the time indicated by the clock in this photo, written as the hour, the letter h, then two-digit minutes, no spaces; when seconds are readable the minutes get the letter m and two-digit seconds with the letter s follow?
1h46
